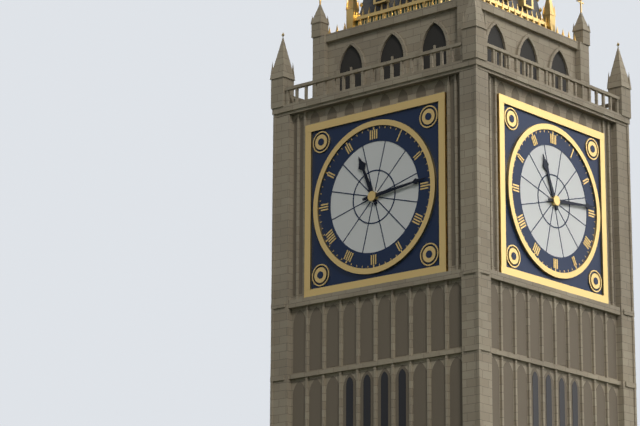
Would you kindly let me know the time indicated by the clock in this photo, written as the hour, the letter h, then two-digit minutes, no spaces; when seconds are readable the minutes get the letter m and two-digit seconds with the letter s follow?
11h14
